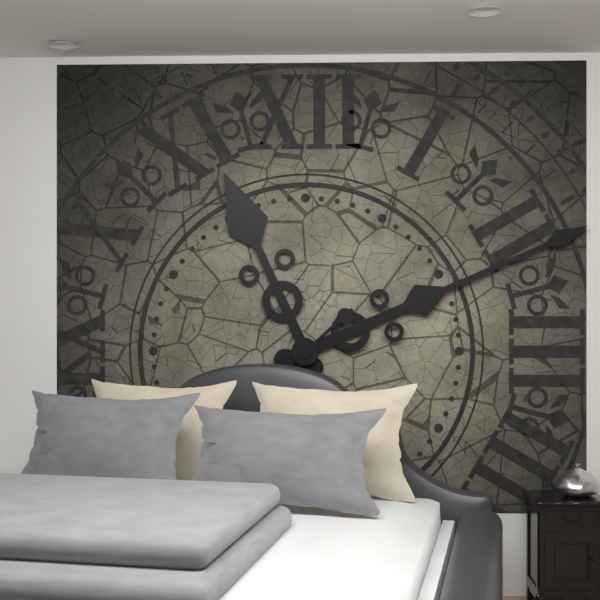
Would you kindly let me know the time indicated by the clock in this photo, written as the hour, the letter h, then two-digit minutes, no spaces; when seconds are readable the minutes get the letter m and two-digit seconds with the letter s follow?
11h11
